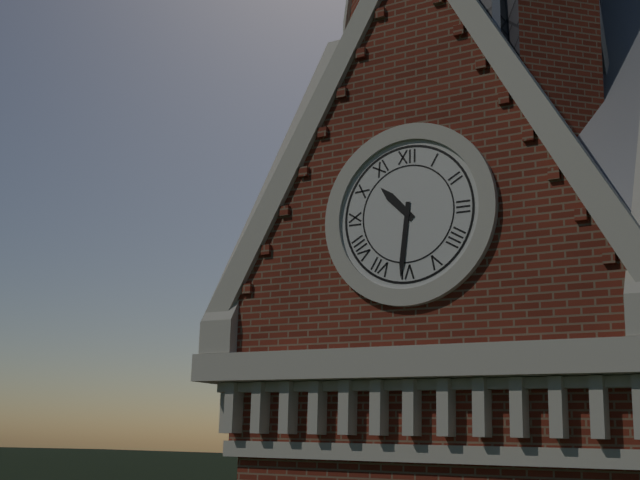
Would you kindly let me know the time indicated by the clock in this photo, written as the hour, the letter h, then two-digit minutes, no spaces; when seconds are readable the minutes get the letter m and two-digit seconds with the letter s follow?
10h31
